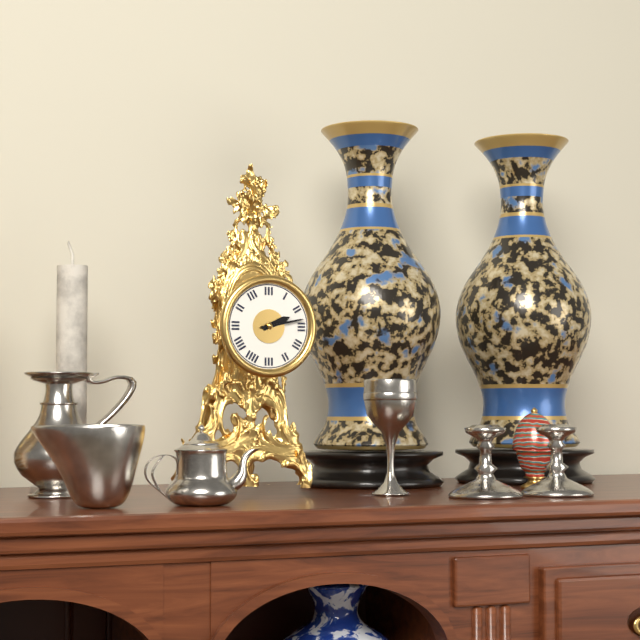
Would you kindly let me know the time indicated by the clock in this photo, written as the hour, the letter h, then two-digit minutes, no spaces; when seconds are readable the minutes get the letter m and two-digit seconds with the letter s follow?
2h13
